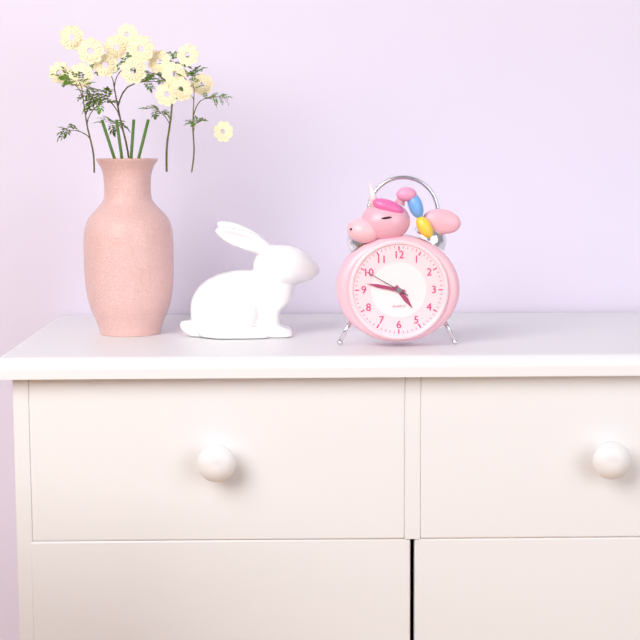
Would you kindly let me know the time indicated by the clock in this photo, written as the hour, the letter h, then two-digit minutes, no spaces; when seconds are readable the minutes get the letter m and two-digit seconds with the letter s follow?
4h47
